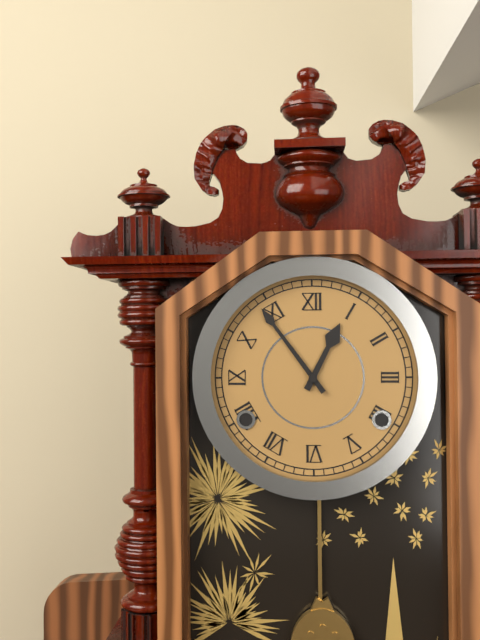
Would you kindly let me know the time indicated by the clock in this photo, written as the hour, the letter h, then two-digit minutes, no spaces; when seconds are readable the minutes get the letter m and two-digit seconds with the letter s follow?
12h54
